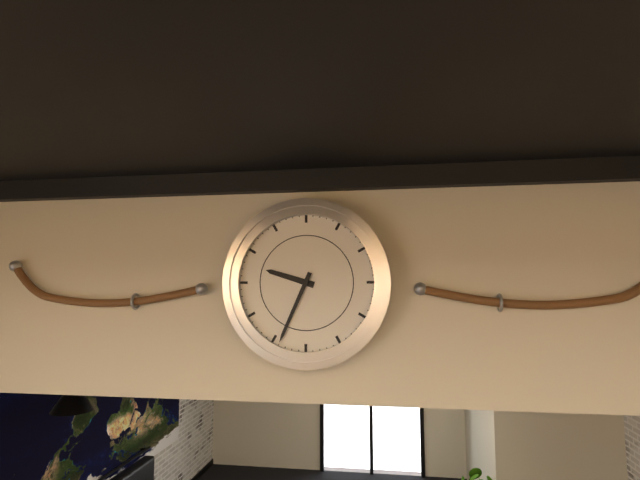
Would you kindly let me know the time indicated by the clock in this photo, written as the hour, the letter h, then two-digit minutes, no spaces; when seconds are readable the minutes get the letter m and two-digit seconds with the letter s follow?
9h34
